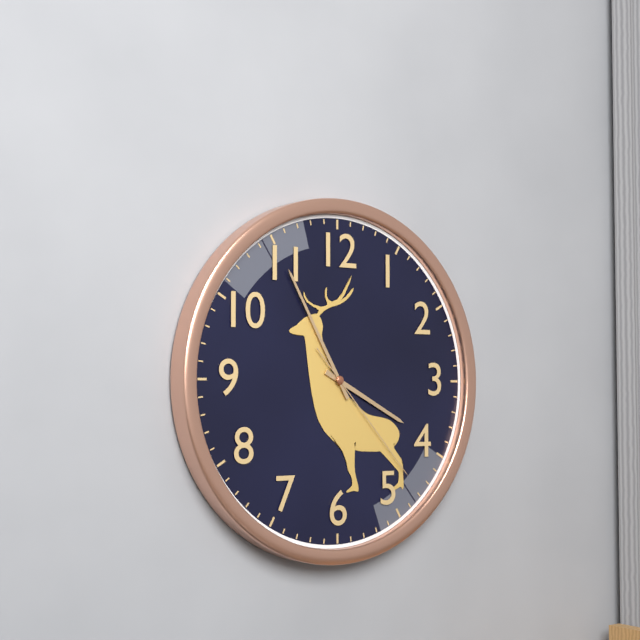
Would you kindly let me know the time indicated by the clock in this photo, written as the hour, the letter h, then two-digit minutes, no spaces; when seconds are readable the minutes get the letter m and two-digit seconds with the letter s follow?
3h55m23s
